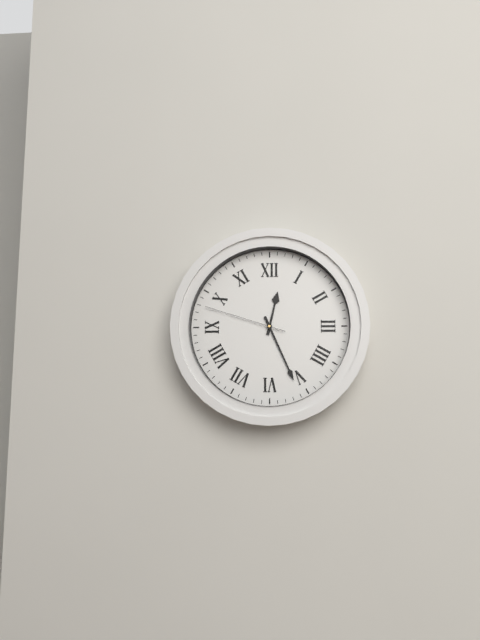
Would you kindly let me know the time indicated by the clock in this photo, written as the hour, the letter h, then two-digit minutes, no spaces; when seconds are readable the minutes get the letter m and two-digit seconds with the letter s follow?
12h26m48s
